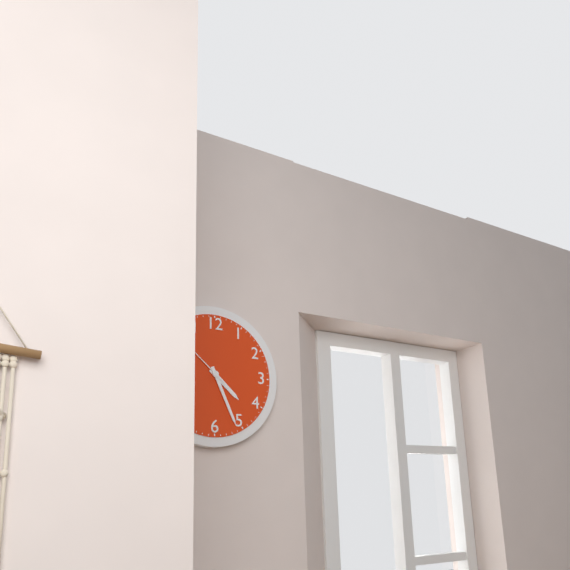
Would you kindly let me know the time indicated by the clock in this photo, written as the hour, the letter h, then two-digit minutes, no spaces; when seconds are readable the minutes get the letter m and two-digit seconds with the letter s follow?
4h26
